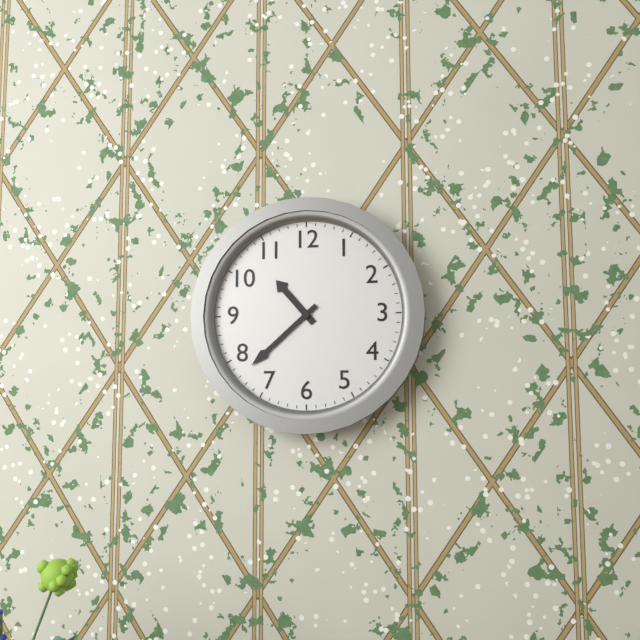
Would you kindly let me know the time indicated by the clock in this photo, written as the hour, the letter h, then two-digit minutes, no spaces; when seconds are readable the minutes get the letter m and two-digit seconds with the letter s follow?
10h38
